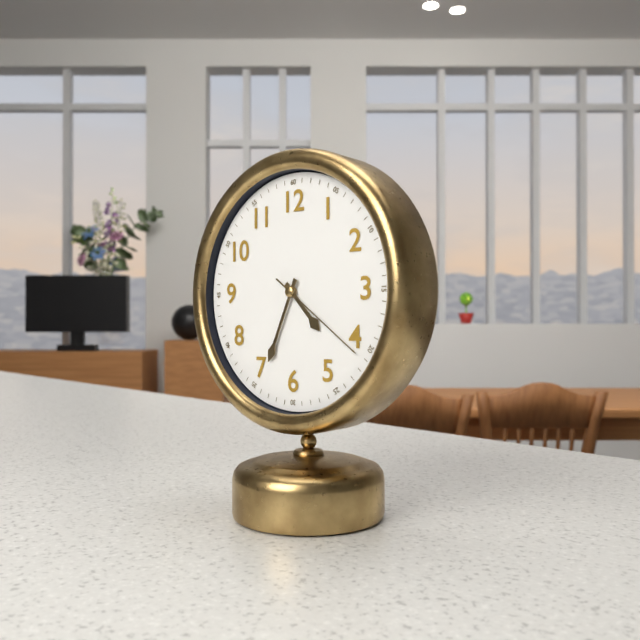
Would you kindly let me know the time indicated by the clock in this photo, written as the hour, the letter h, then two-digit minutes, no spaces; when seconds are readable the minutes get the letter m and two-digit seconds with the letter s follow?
4h34m21s
